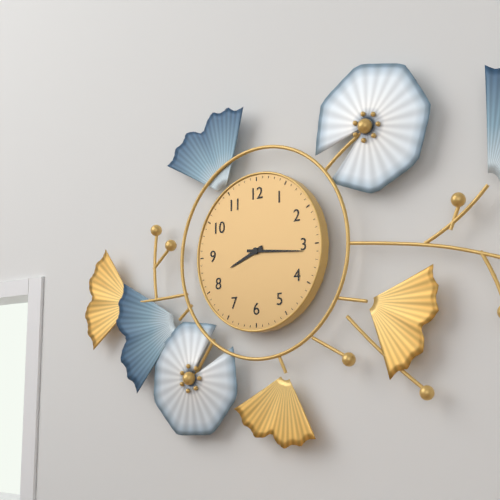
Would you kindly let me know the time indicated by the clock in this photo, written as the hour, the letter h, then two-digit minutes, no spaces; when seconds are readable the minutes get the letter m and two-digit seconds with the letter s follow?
8h16
